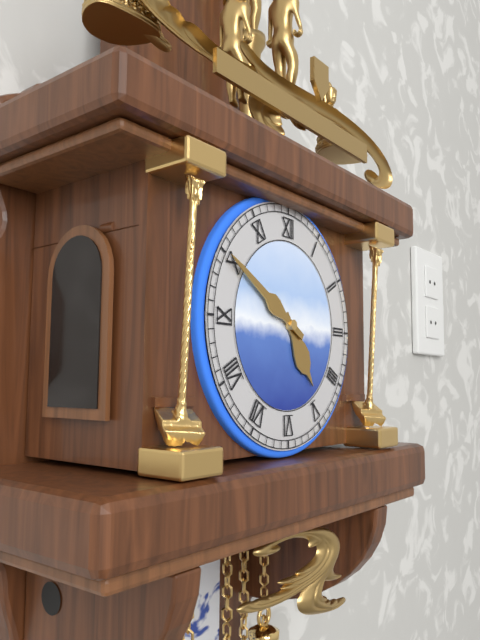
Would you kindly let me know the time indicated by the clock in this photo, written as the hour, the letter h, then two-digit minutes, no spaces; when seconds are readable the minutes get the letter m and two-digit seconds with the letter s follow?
4h50
